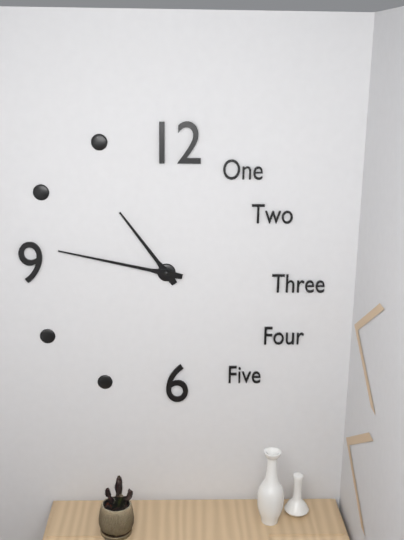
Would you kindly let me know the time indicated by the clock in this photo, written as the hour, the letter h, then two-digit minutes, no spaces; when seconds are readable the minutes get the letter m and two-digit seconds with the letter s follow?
10h47
